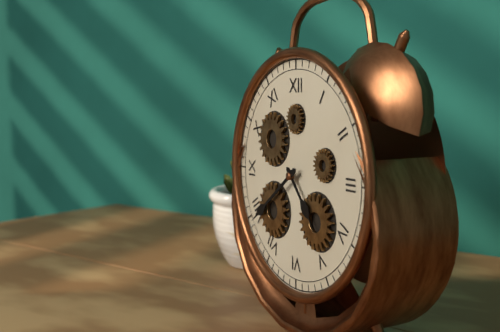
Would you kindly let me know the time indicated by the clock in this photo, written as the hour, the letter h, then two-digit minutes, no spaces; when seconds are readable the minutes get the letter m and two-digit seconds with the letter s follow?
4h39
